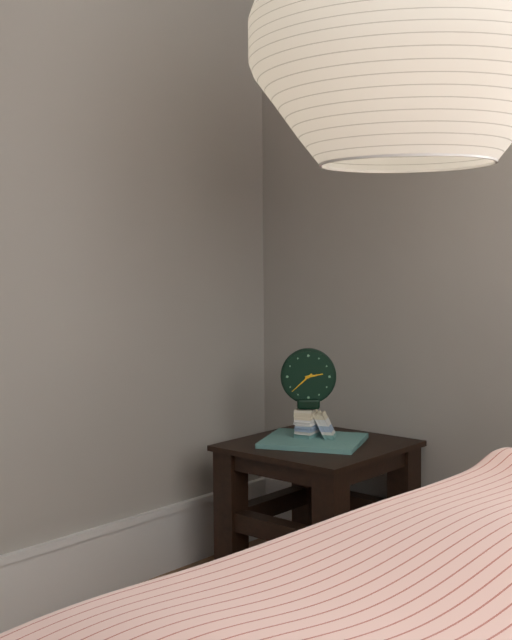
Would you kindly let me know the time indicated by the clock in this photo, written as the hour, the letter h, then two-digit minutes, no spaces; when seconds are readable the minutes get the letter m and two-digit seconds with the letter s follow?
2h38
